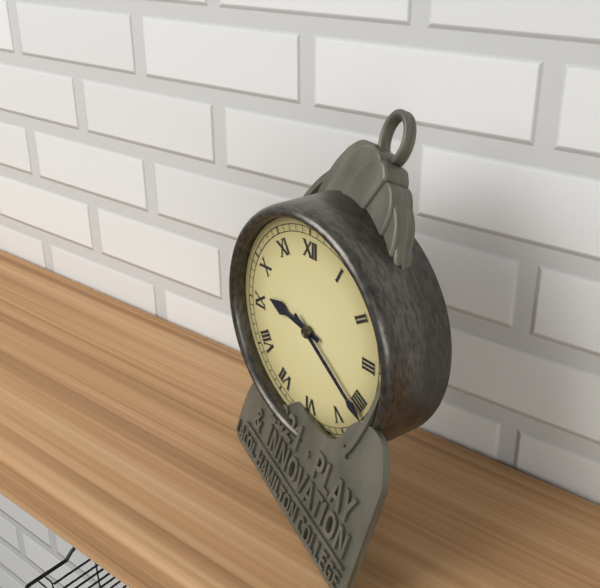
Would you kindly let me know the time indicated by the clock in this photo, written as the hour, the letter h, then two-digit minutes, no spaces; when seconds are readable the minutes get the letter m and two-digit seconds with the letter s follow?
9h21
